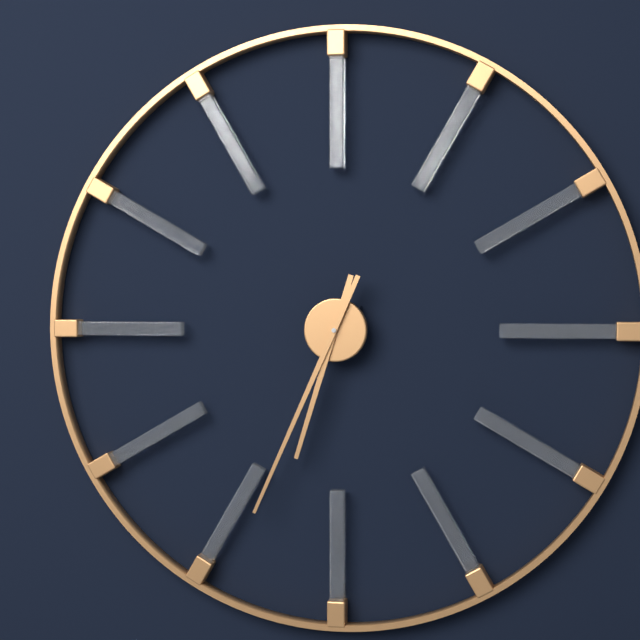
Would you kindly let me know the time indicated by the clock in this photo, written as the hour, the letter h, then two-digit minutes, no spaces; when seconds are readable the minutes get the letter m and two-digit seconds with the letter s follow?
6h34
